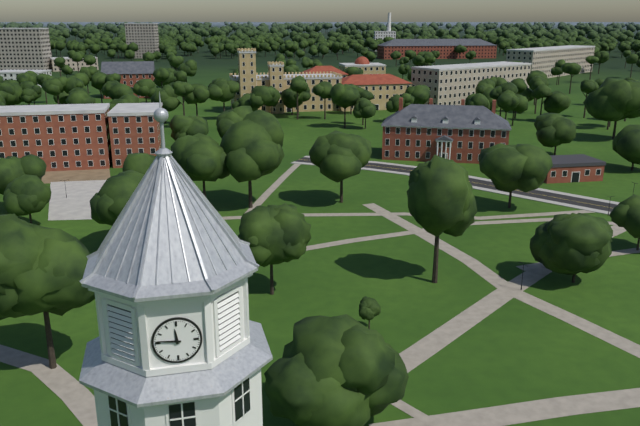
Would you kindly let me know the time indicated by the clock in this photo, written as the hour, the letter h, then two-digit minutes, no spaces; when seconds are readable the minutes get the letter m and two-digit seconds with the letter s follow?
11h46
